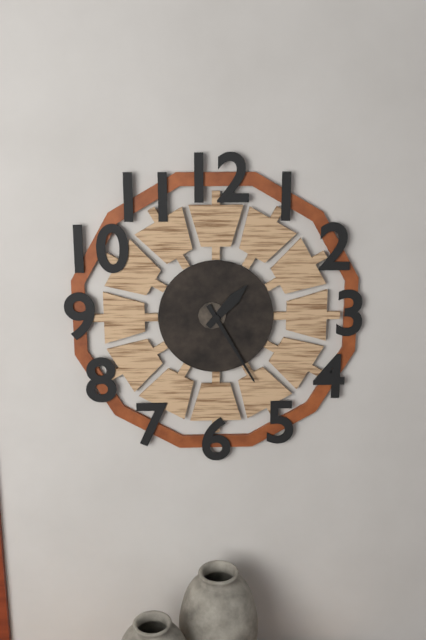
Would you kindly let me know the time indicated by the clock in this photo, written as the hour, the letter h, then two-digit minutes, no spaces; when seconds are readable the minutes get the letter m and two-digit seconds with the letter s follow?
1h25
